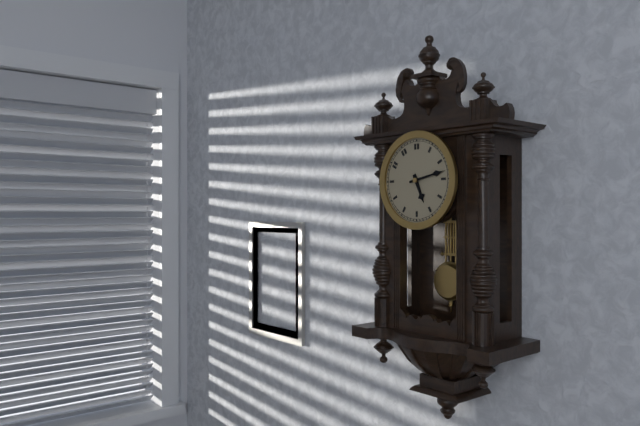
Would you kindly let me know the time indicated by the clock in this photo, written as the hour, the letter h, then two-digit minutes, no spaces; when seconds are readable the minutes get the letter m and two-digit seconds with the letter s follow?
5h13
